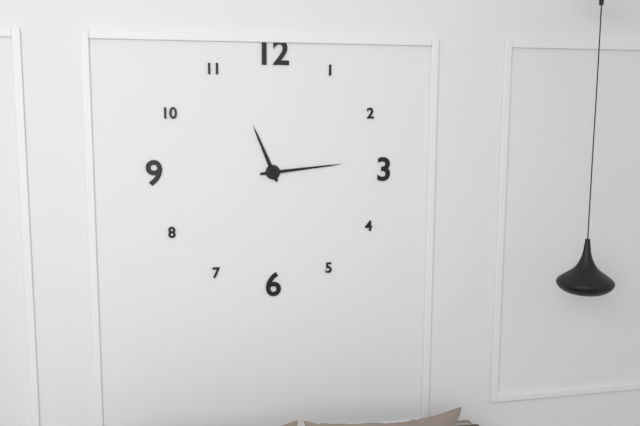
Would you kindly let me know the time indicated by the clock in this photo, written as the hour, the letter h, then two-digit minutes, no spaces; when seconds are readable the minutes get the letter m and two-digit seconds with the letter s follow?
11h14
